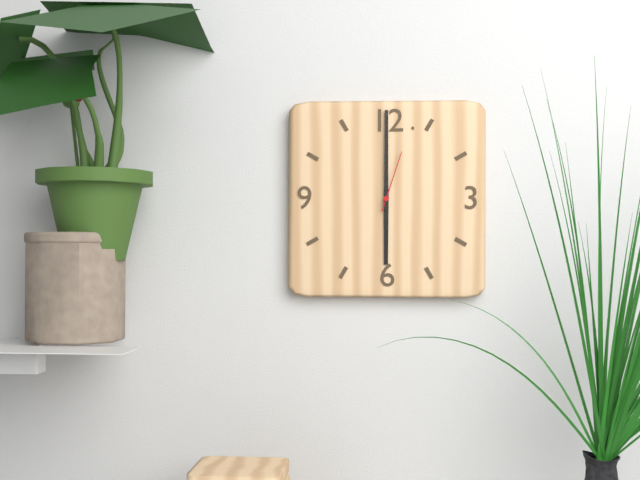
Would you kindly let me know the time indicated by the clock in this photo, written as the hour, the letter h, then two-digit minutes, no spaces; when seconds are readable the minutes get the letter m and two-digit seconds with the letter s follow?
6h00m03s
